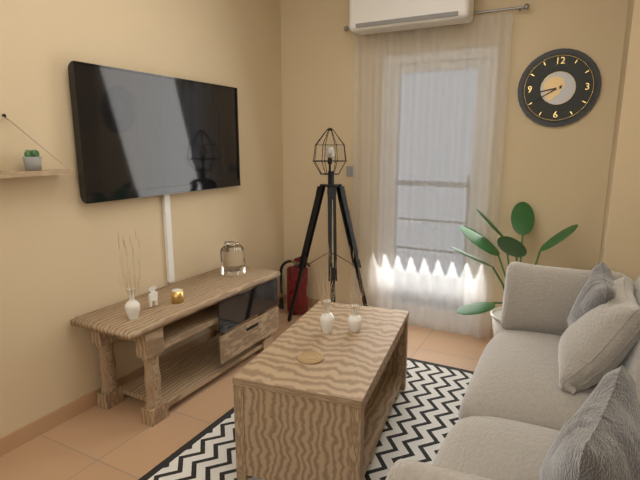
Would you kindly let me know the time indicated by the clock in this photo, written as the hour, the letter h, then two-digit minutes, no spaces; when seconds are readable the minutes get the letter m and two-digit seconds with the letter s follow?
8h40
